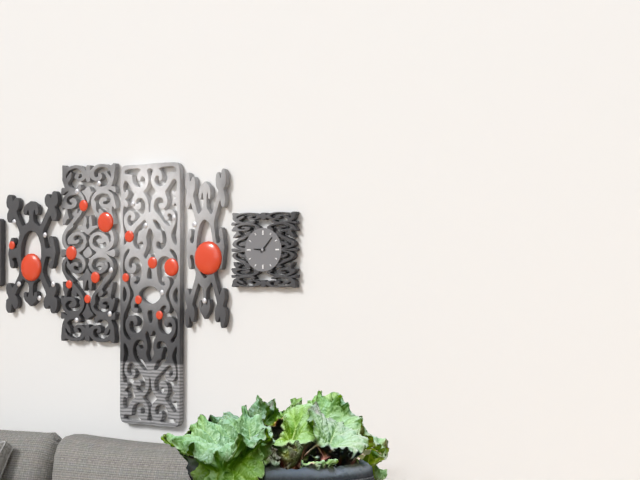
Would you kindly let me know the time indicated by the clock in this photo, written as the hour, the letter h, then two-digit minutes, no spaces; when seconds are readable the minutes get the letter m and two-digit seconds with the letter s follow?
9h07
